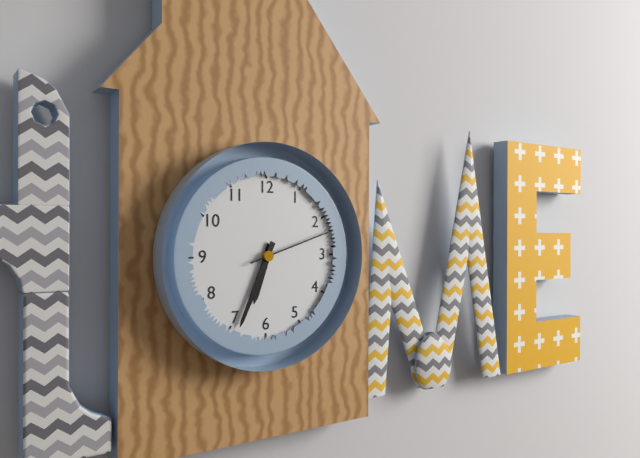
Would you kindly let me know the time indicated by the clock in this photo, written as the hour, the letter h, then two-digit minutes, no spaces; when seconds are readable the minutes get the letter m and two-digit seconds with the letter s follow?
6h34m12s
